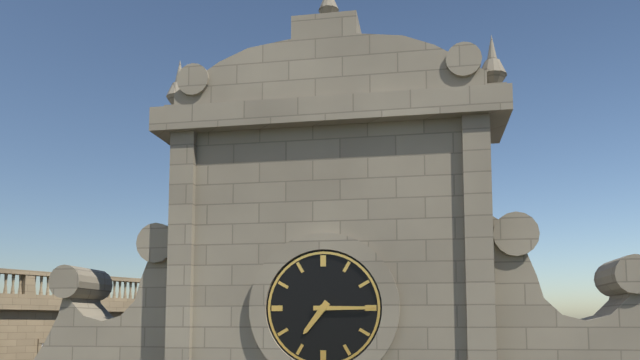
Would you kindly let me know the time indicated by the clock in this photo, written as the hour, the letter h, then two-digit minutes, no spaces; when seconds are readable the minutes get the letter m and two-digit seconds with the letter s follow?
7h15
